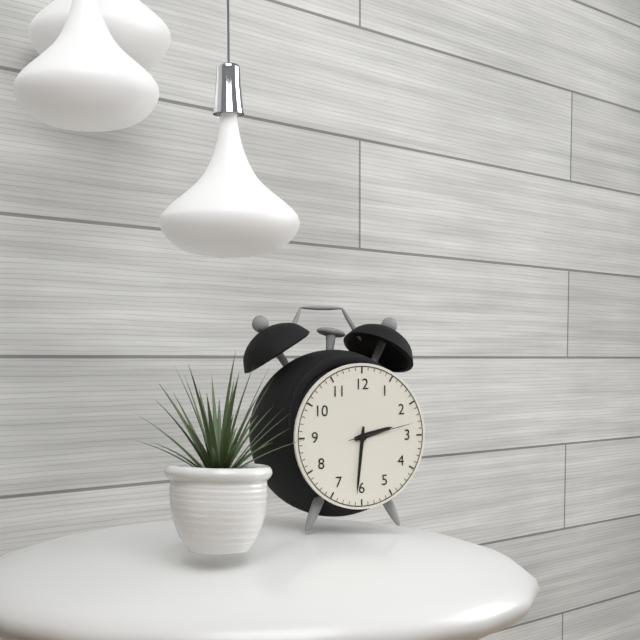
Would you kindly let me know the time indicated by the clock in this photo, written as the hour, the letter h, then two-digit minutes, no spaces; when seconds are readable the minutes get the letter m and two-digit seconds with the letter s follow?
2h31m13s
